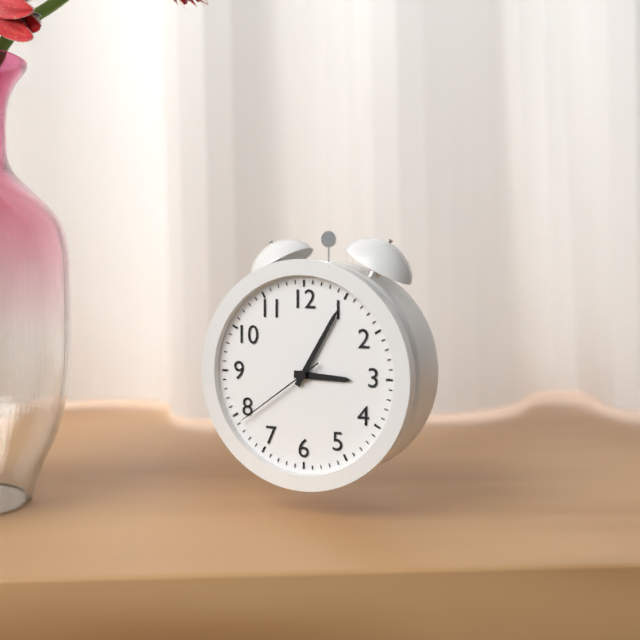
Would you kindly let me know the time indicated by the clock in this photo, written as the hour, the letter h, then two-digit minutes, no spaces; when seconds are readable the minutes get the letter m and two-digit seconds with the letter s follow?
3h05m39s
